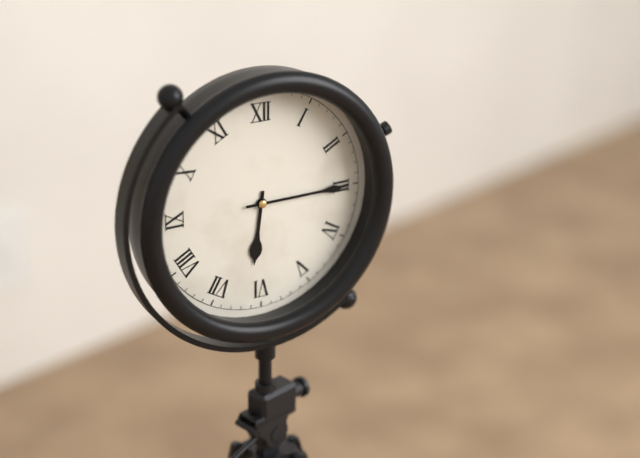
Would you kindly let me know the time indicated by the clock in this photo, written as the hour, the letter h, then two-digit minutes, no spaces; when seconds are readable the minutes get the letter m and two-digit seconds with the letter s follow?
6h15
